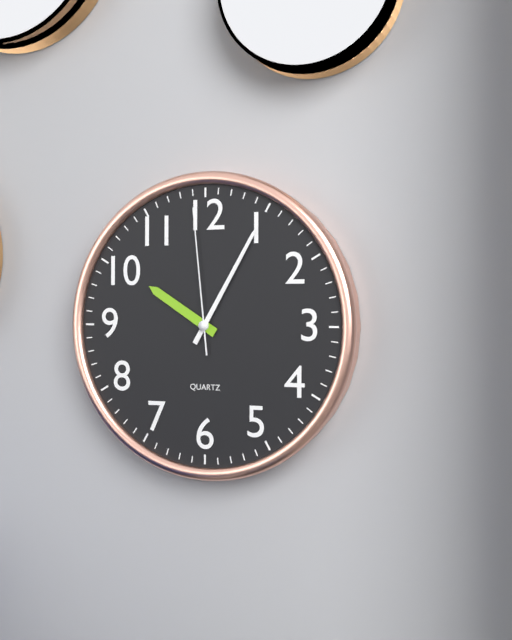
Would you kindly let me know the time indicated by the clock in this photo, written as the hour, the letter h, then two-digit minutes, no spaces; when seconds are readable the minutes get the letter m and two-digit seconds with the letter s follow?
10h05m59s
